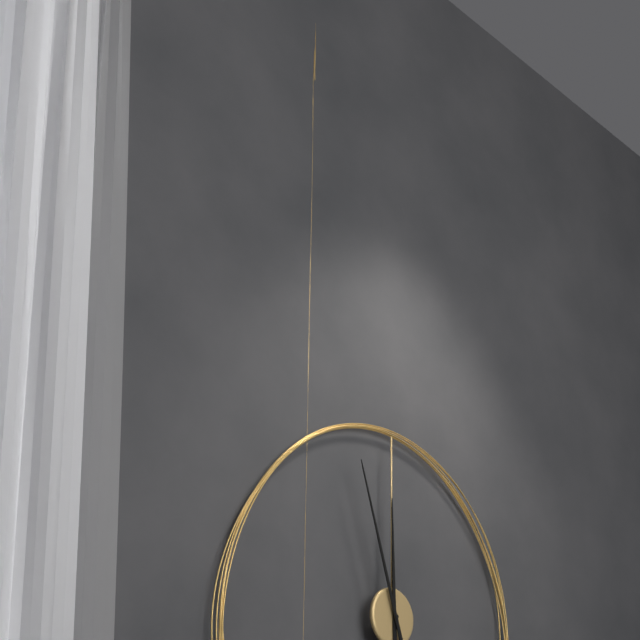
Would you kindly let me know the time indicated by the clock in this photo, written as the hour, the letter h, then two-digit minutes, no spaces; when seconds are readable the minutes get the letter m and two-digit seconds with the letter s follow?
11h57
